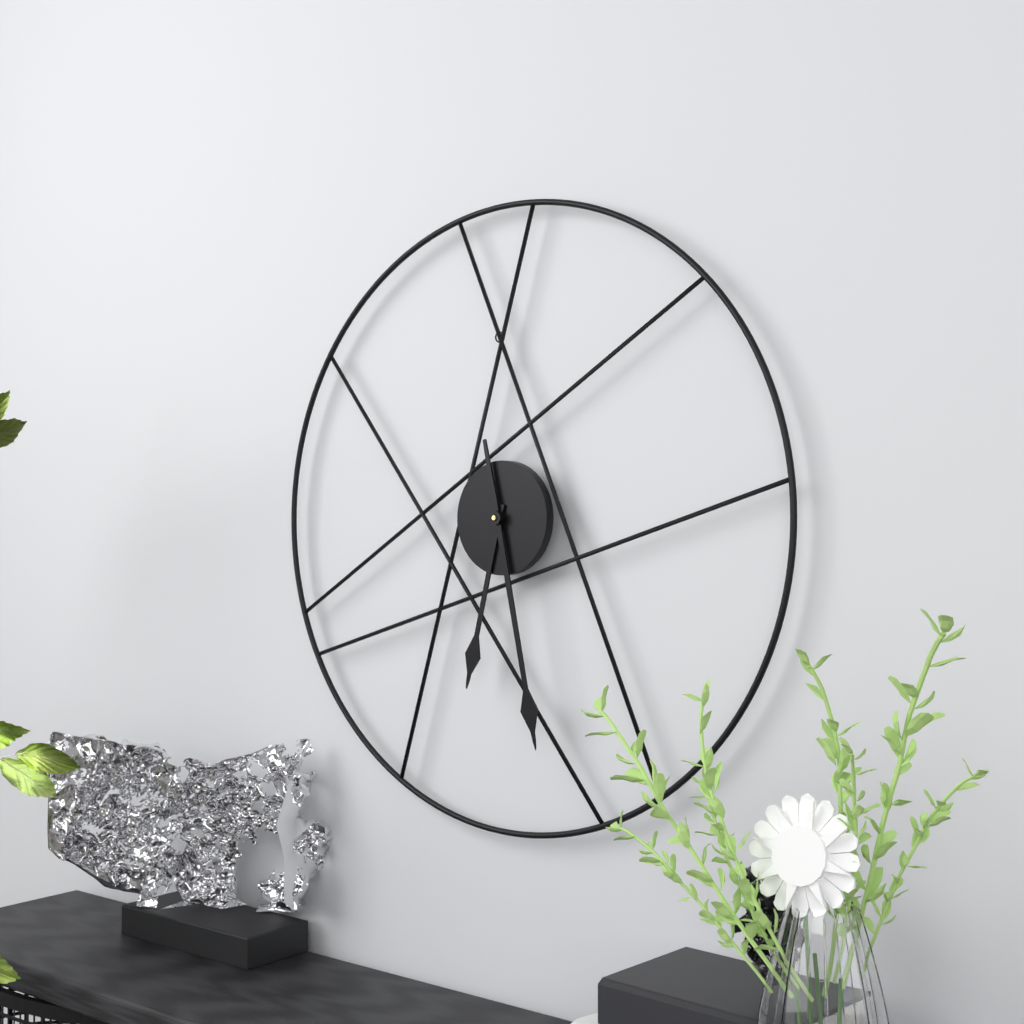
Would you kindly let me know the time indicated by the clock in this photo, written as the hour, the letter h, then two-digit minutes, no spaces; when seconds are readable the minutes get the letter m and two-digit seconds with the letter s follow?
6h28
